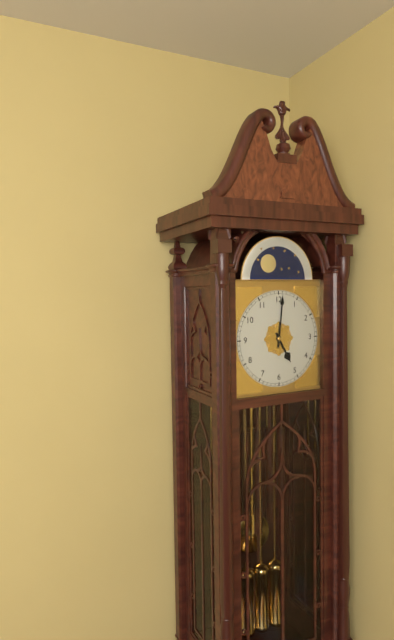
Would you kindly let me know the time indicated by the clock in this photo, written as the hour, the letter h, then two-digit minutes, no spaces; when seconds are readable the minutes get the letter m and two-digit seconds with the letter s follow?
5h01
